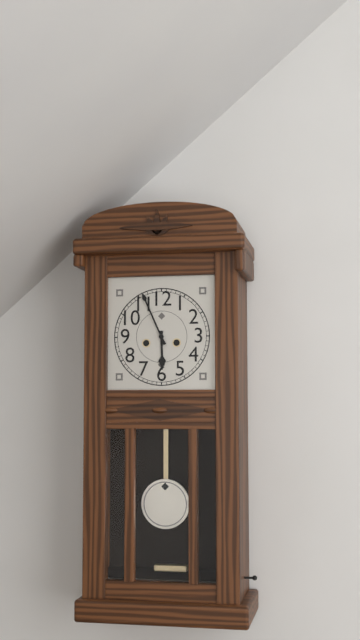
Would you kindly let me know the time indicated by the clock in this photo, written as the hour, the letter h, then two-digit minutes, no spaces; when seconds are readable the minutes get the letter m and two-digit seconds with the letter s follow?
5h56
